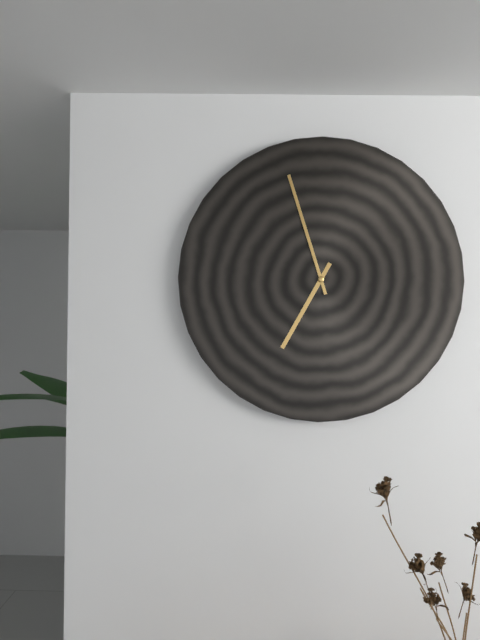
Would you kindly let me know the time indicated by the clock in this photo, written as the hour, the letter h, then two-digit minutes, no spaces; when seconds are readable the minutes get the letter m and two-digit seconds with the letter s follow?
6h57
